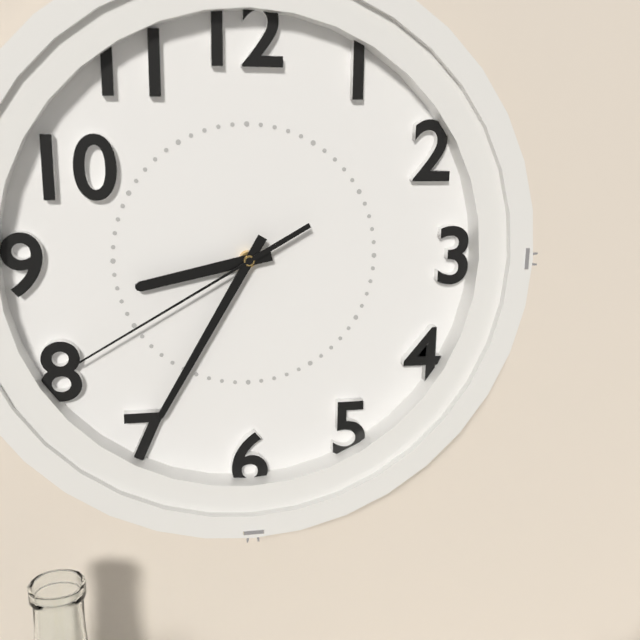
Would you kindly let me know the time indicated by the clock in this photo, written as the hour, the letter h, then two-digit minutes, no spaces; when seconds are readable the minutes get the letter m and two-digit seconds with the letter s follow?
8h35m40s
